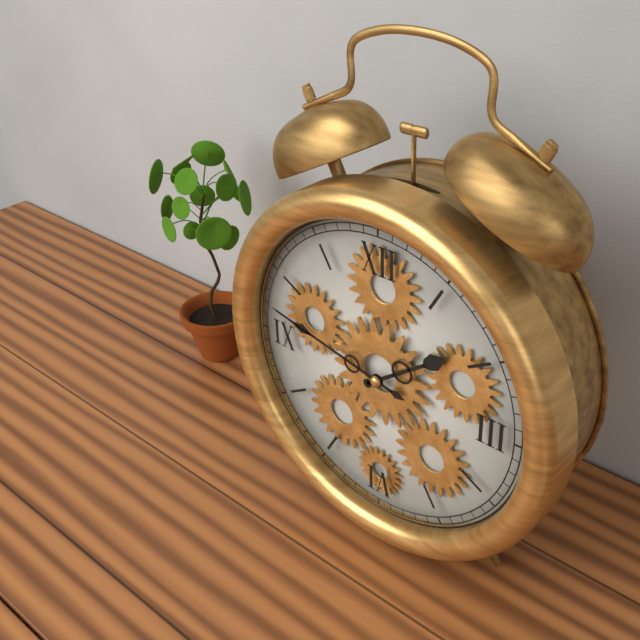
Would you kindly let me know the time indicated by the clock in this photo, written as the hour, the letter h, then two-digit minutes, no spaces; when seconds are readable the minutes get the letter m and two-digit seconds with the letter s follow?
1h47
